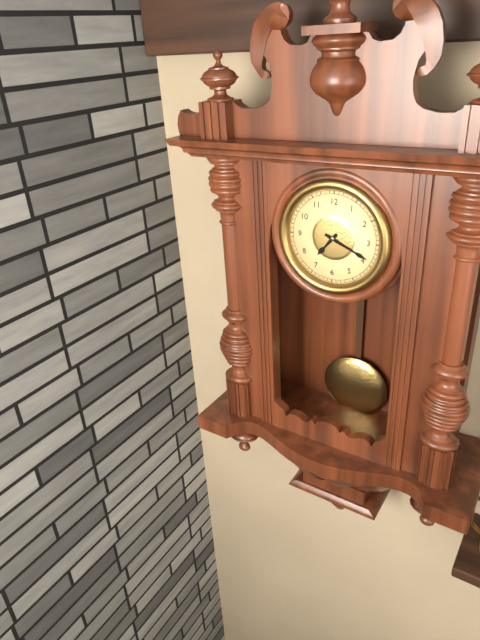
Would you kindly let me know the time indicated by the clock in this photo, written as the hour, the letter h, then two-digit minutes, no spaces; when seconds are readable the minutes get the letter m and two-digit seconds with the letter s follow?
7h19
